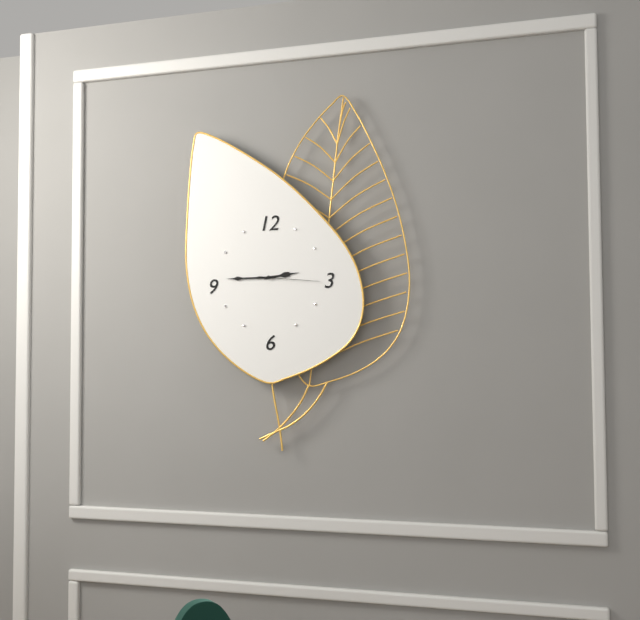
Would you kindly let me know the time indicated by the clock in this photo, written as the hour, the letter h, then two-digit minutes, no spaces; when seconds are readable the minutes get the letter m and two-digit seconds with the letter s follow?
2h45m16s
